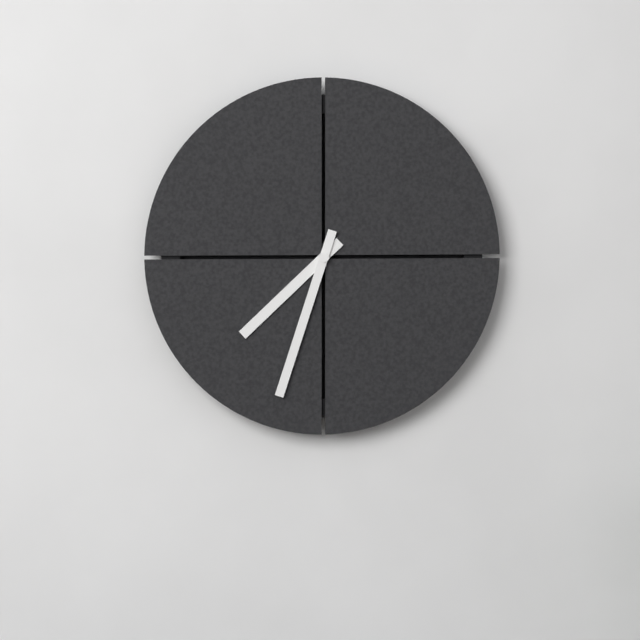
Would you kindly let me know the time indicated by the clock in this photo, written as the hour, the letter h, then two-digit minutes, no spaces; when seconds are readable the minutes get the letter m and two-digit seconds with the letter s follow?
7h33
